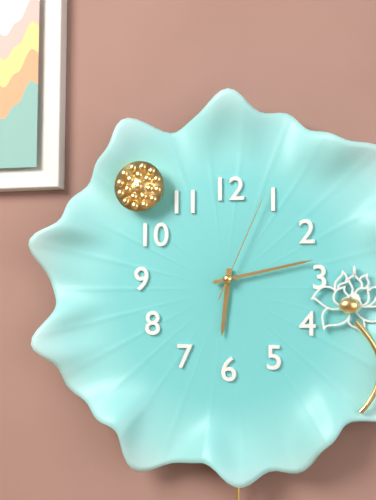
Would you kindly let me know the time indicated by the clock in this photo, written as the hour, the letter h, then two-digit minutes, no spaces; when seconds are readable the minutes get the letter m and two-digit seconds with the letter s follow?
6h13m04s
